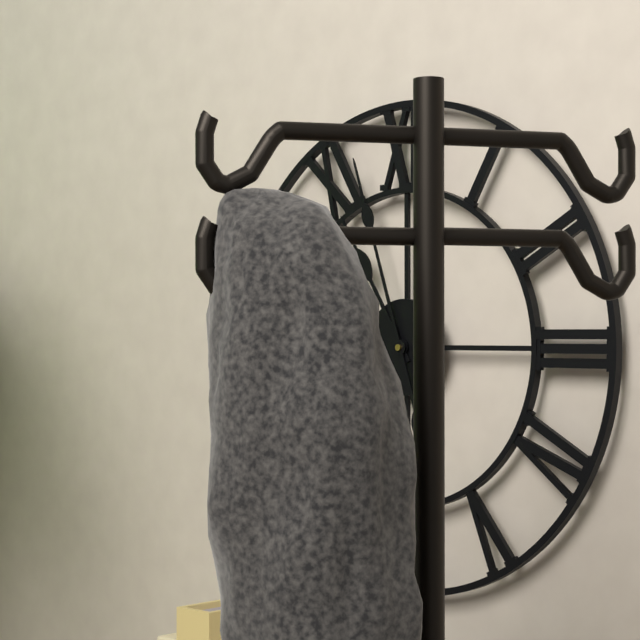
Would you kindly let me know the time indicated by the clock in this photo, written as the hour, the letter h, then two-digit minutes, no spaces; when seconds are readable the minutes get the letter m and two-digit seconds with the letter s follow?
10h57
